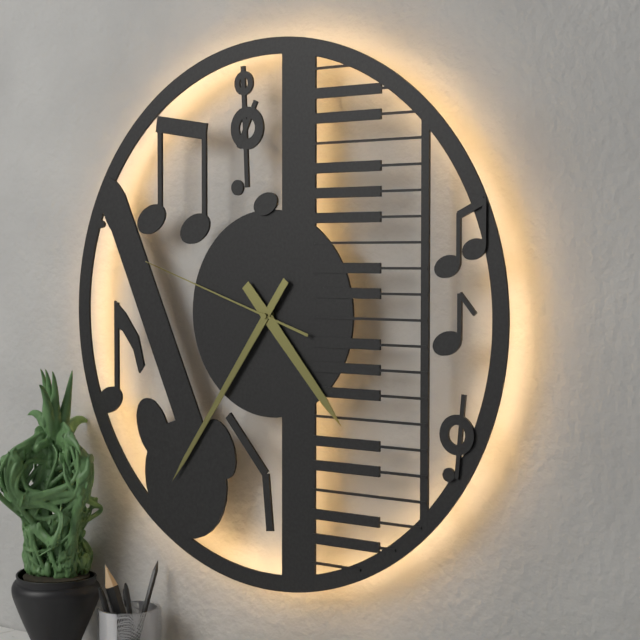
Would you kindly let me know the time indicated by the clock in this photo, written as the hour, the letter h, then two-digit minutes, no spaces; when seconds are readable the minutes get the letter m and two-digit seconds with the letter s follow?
4h36m48s
